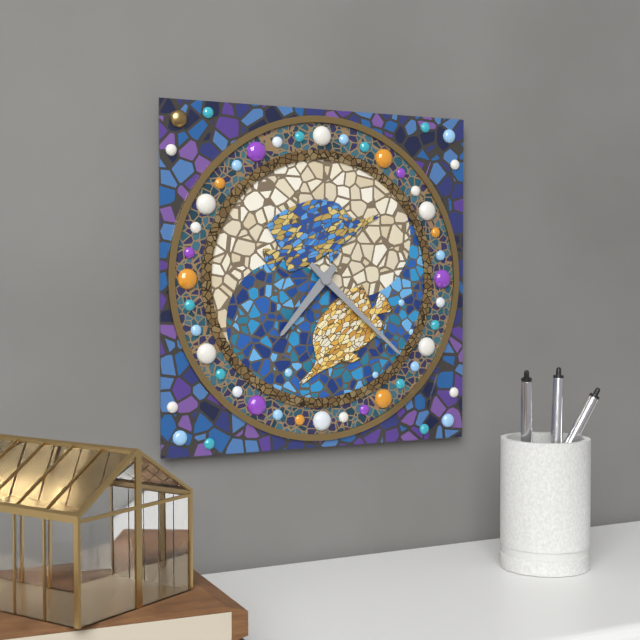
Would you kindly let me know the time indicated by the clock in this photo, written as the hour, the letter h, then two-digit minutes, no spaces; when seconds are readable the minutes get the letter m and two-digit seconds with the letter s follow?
7h22
